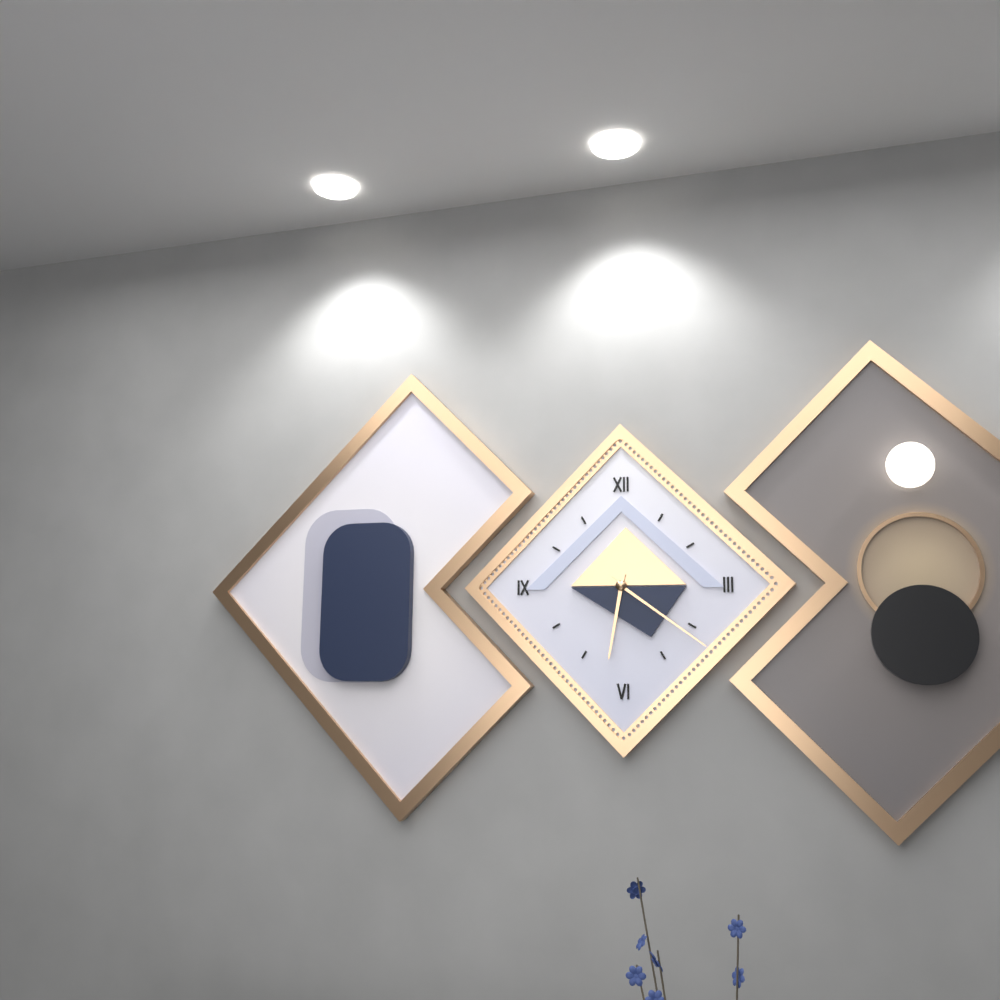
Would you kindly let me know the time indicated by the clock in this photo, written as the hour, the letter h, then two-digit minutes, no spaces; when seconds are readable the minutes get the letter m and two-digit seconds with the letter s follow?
6h21
